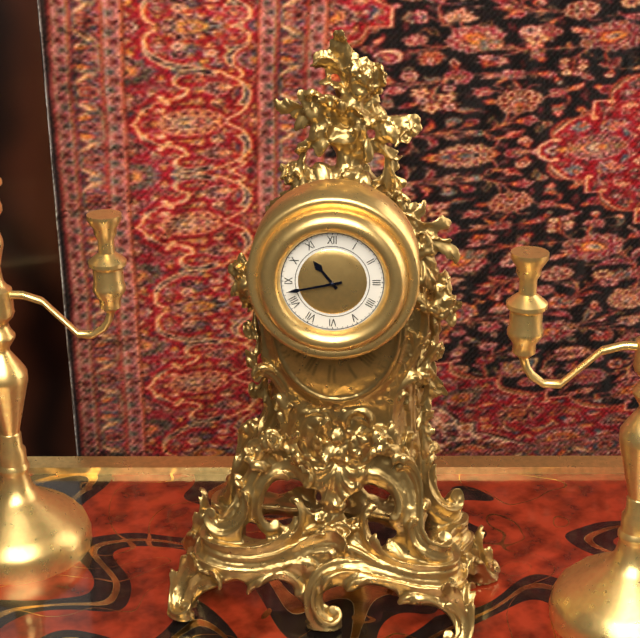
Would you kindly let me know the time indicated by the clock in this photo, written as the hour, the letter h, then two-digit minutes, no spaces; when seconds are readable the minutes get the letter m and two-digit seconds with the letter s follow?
10h43
